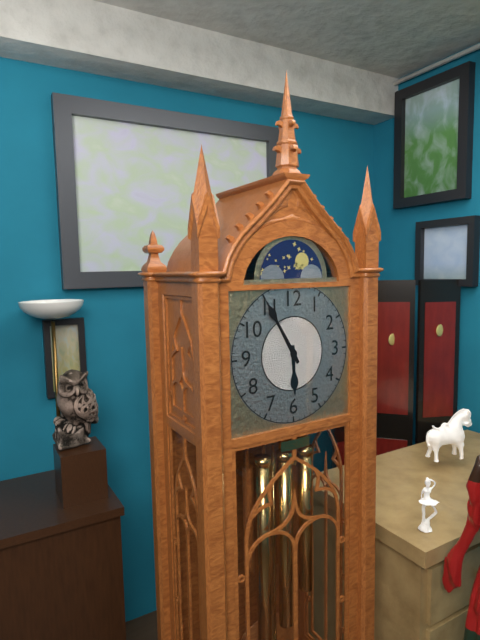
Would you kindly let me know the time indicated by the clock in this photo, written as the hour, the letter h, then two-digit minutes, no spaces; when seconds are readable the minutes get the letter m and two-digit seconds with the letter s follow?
5h55
